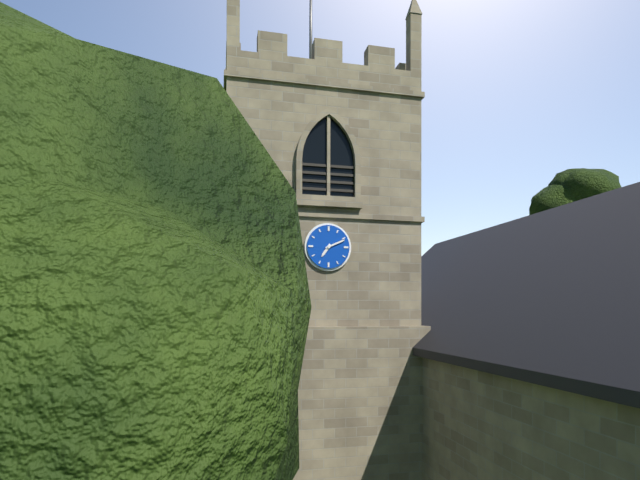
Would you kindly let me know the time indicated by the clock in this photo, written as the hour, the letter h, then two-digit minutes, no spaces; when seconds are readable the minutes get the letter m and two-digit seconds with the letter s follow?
7h11
